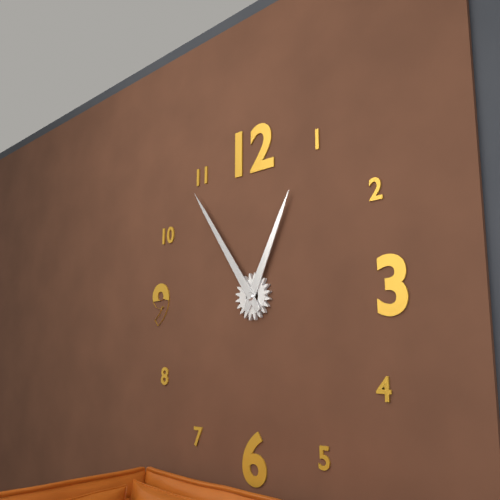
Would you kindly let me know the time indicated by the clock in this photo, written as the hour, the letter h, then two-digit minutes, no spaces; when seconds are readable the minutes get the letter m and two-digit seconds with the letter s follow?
12h54
